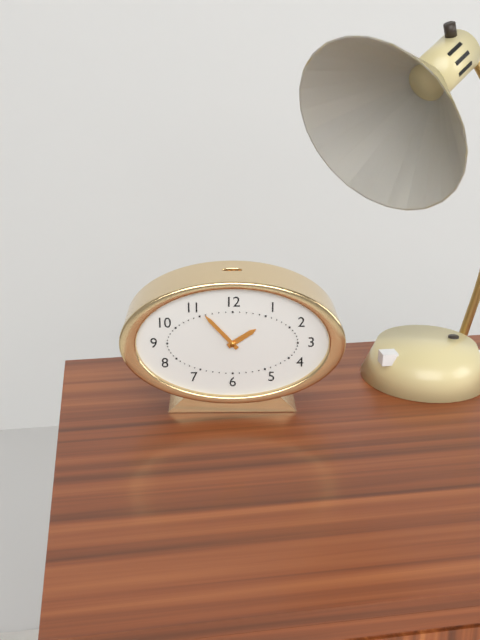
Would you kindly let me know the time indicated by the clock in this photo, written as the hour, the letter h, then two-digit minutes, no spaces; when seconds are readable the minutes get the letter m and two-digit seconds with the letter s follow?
1h53
